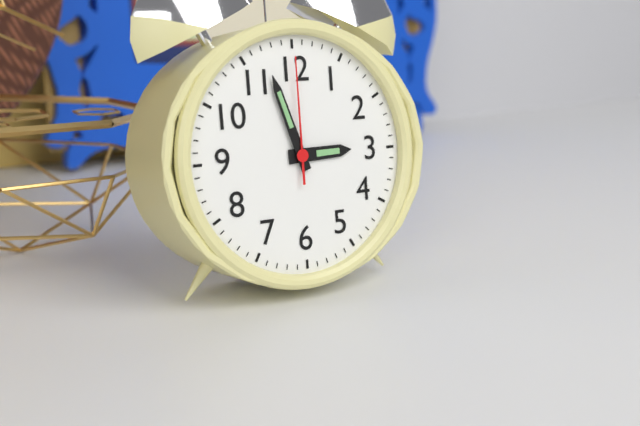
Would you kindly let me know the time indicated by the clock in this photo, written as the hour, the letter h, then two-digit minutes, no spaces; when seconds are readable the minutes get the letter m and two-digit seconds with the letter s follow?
2h57m00s
